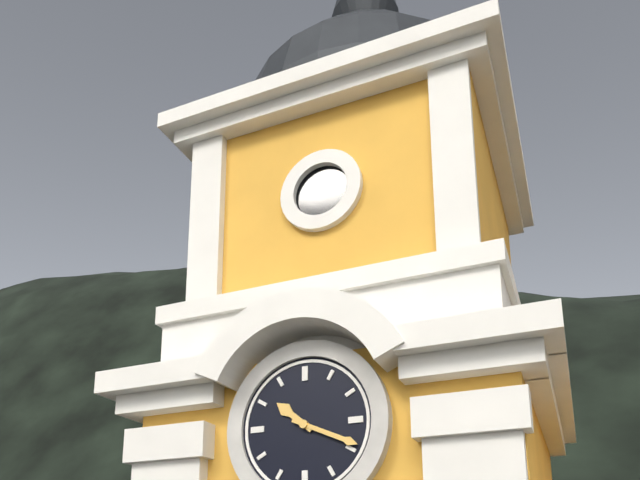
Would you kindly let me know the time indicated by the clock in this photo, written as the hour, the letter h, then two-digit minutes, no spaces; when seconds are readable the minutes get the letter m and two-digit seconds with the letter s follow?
10h19
